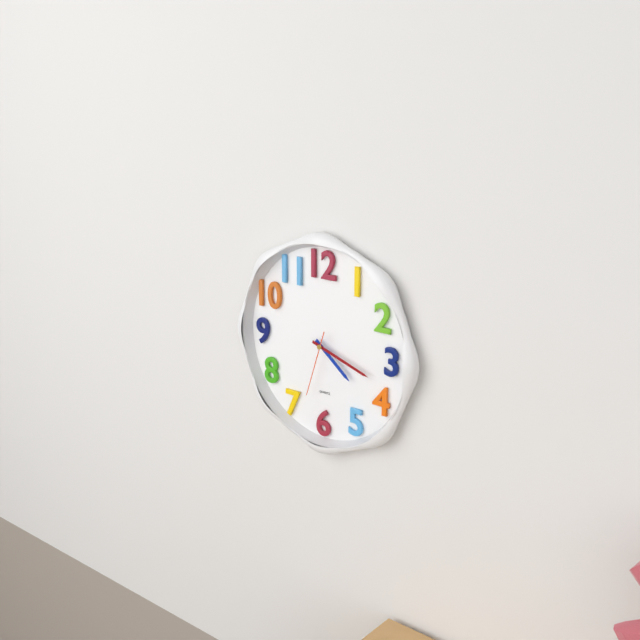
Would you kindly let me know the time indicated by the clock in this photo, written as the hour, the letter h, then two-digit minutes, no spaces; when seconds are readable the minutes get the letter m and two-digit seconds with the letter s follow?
4h18m33s
